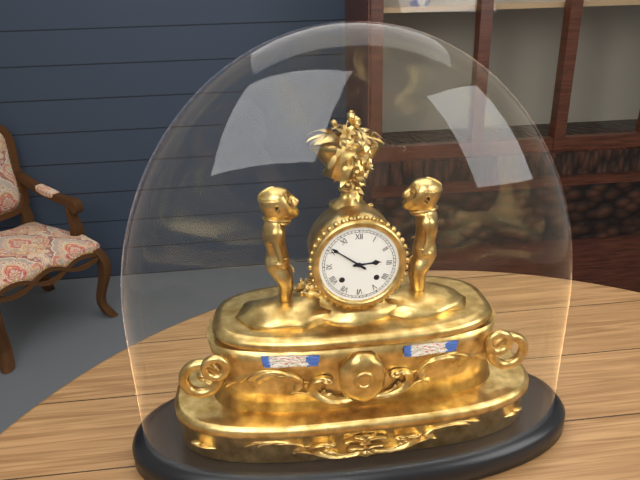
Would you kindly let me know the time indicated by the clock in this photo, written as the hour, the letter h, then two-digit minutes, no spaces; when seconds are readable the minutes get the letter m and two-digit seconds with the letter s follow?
2h51
